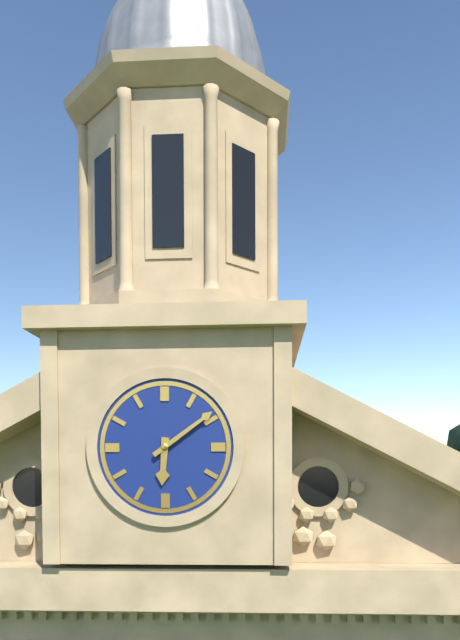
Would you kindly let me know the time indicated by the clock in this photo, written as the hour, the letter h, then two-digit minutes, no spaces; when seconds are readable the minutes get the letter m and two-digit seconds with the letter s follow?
6h09
